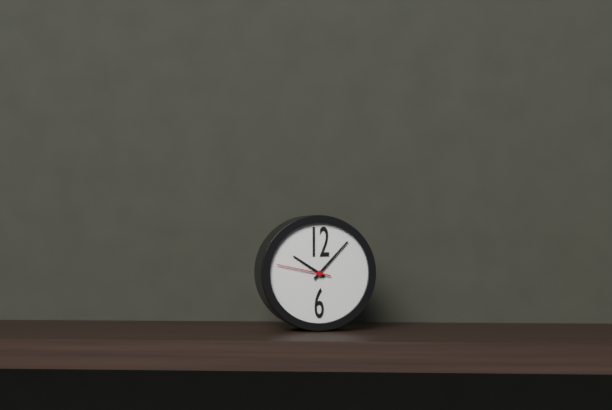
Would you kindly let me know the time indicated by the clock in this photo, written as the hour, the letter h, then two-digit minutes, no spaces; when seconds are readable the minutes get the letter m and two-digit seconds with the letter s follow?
10h07m47s
